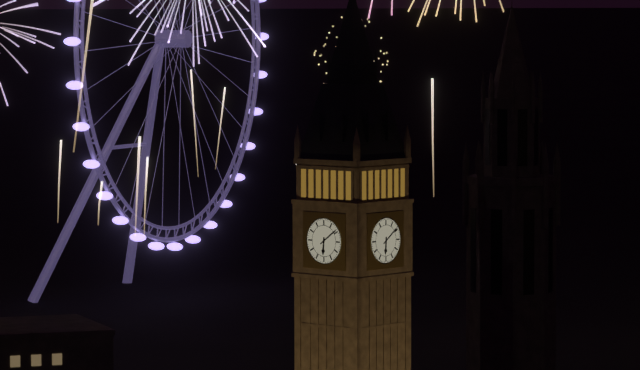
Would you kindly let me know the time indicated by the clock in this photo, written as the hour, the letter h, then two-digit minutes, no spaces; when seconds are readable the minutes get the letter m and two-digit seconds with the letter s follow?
6h09
